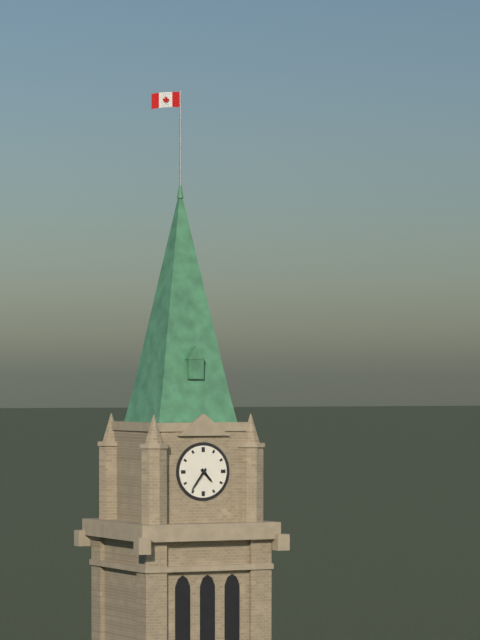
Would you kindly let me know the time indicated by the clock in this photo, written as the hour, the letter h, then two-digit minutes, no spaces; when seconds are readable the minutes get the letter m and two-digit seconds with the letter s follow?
4h36
